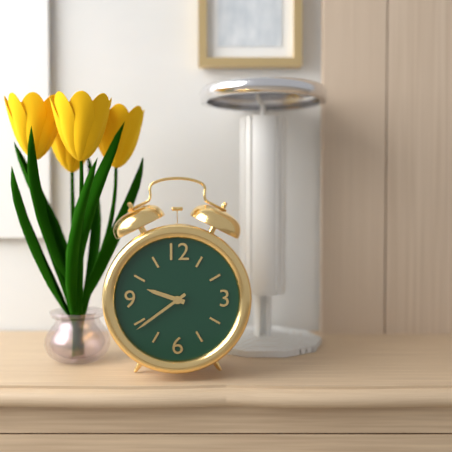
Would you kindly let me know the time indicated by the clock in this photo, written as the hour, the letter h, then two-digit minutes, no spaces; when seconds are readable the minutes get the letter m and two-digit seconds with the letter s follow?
9h39
